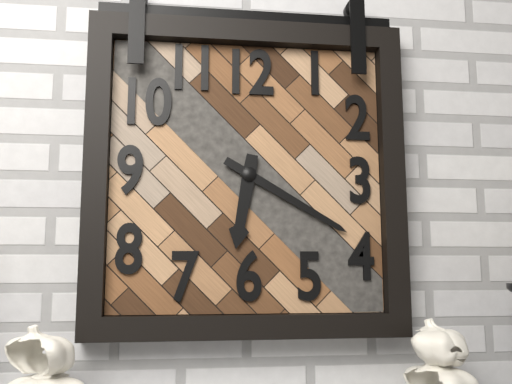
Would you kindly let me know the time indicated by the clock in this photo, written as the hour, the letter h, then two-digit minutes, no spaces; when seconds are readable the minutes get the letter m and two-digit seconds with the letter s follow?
6h20
